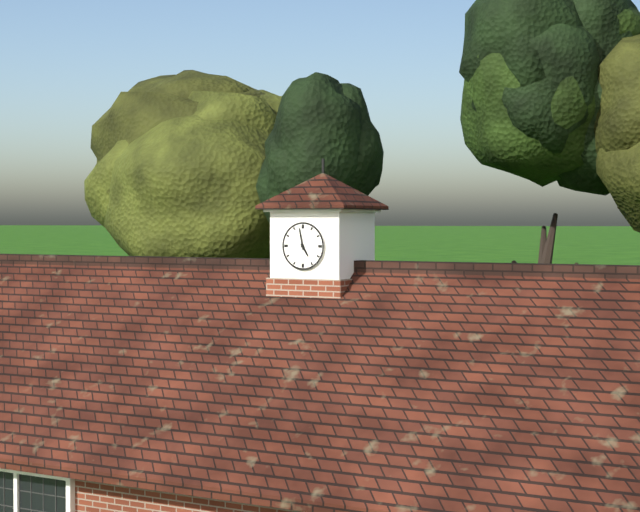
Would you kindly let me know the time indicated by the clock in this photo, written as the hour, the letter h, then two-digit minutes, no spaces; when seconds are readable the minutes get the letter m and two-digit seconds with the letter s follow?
4h58
